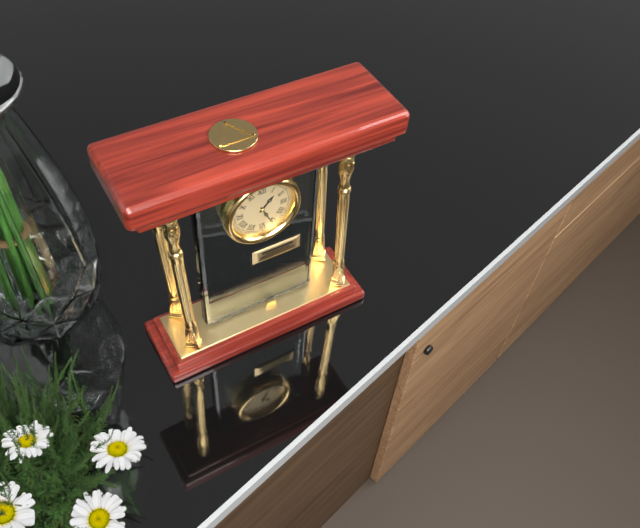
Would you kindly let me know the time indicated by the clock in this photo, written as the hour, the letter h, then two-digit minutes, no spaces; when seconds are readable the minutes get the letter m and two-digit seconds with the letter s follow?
1h26
